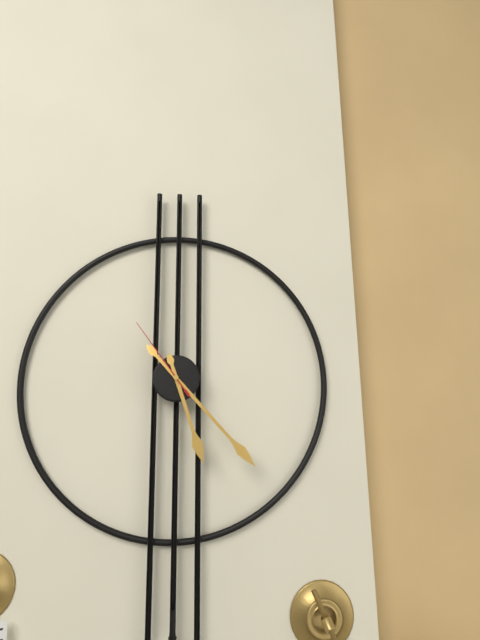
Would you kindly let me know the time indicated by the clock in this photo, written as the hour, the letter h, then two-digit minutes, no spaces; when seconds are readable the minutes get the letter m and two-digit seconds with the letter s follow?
5h23m54s
